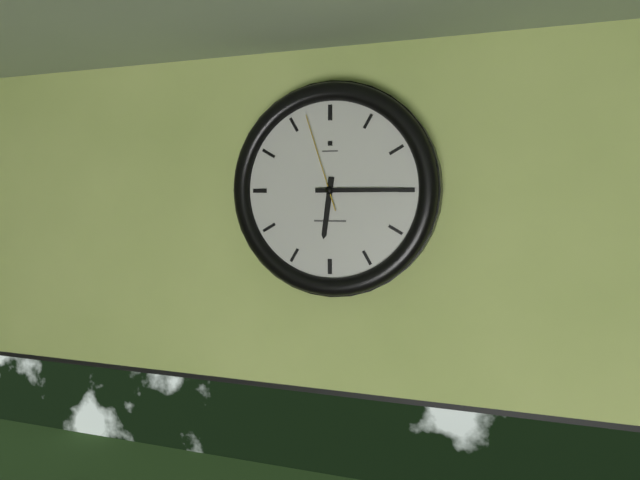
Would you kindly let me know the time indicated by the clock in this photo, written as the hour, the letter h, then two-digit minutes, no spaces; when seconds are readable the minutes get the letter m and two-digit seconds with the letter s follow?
6h15m57s
